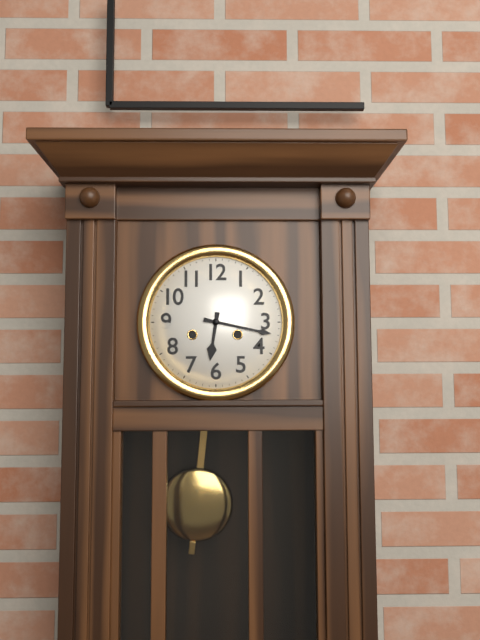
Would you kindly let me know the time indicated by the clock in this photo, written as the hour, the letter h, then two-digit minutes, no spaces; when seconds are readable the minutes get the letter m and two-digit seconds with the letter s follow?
6h17
